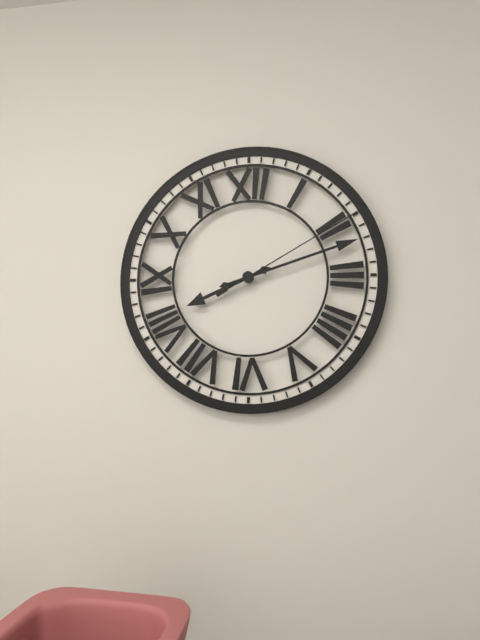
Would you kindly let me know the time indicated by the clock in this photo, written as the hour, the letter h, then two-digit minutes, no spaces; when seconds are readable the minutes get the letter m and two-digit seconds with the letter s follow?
8h12m10s
